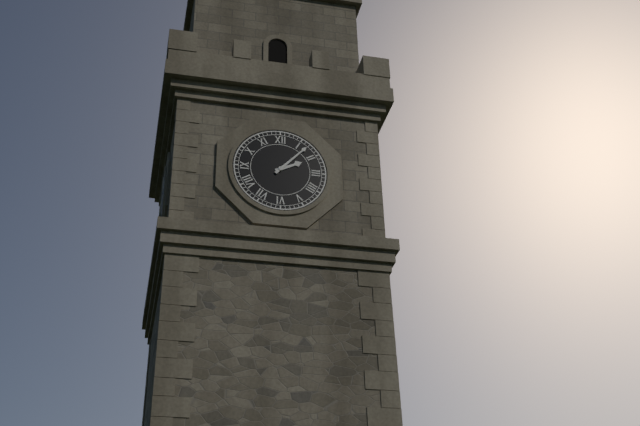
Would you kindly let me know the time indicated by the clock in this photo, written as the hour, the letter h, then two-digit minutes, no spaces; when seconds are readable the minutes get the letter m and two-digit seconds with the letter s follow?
2h07
